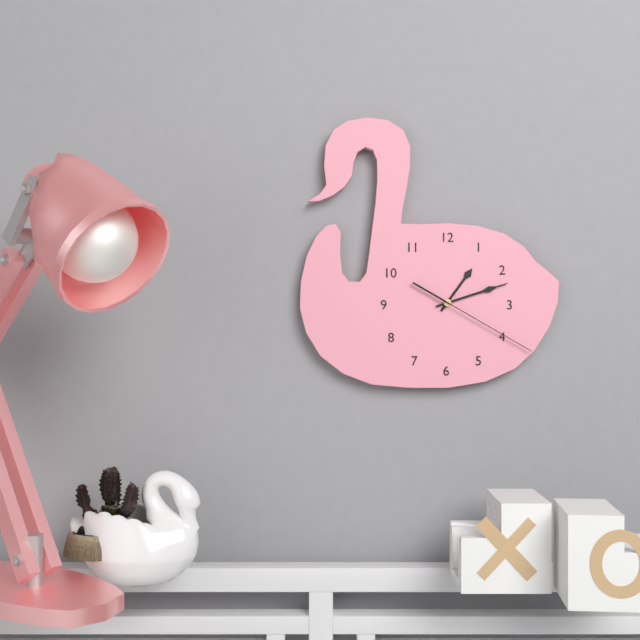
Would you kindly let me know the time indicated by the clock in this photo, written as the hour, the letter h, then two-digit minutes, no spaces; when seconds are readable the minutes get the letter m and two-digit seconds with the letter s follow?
1h12m20s
